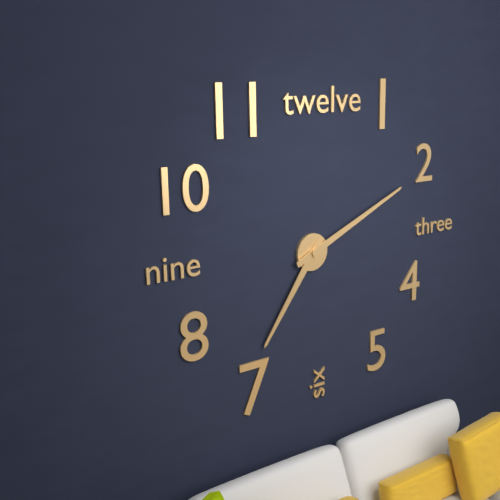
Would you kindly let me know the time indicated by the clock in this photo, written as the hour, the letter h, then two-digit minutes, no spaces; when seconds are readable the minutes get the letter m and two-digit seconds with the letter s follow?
7h11
